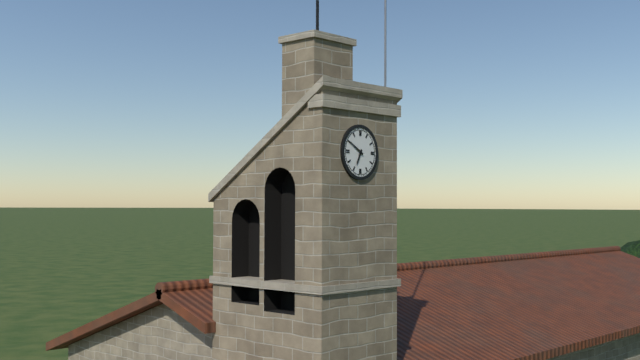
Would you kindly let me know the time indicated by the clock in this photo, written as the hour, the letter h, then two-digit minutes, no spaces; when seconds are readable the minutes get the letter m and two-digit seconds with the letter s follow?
6h50
